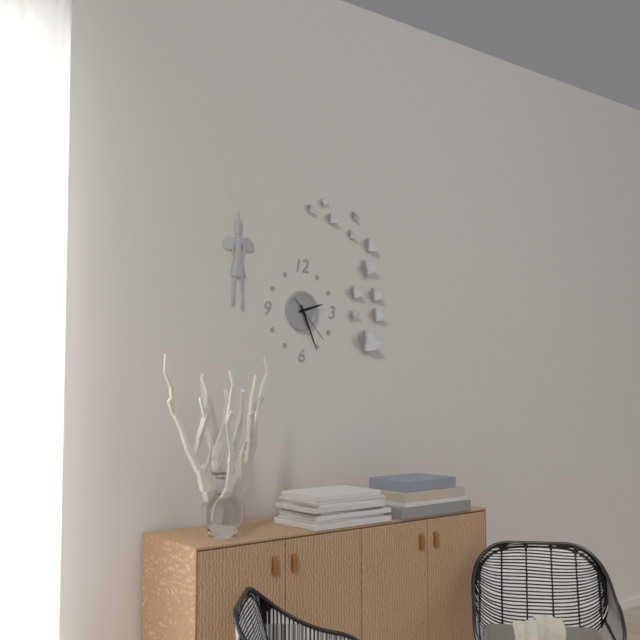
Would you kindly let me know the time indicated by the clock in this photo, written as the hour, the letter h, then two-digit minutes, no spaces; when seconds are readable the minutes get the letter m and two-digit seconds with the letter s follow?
2h26
